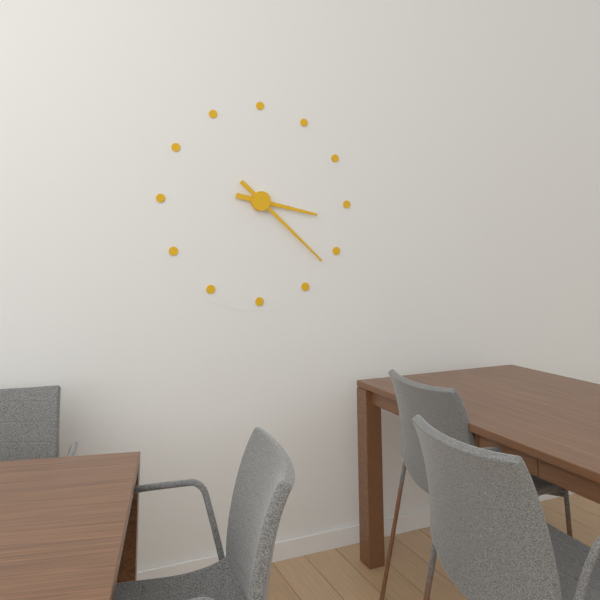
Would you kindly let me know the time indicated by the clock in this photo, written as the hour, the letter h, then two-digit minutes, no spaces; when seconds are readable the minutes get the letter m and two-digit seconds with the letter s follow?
3h22
